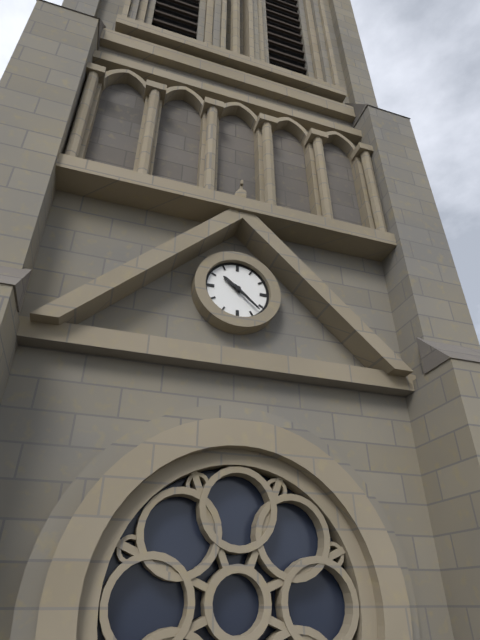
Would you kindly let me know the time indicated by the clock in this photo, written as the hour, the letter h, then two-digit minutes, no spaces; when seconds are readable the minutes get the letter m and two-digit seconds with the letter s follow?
10h22
